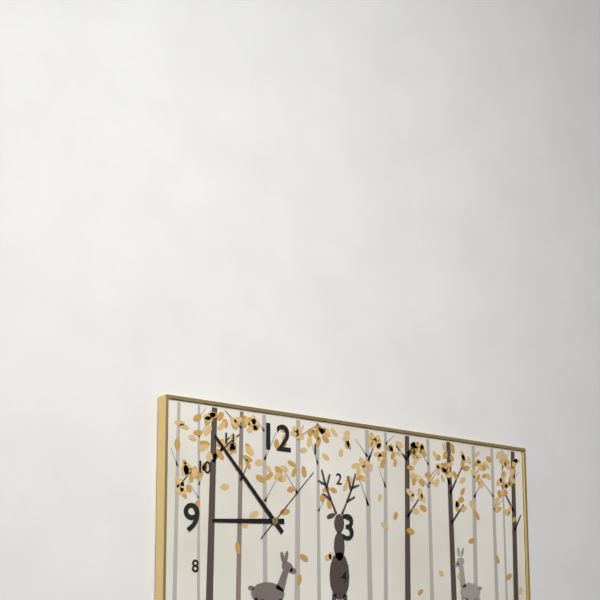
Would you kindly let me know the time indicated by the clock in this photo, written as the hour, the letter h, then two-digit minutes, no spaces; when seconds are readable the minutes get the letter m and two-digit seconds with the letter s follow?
8h53m07s
